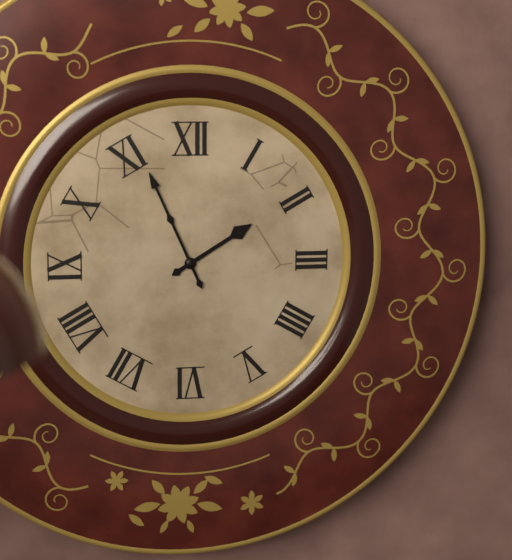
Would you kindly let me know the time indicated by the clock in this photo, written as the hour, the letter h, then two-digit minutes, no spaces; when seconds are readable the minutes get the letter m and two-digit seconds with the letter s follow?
1h56
